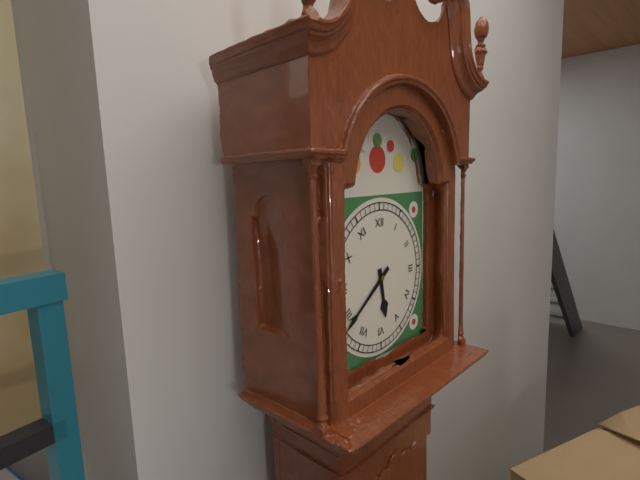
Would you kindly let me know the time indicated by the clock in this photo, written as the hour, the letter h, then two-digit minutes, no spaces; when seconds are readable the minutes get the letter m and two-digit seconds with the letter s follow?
5h39
